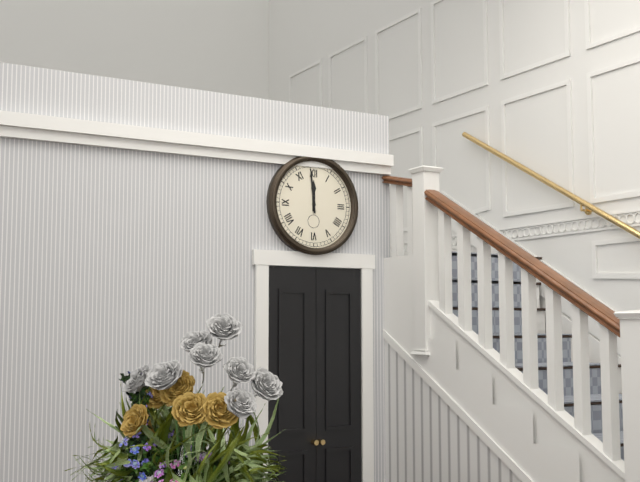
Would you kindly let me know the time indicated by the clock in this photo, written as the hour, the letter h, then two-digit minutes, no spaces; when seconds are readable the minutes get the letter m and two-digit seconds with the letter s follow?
11h59
